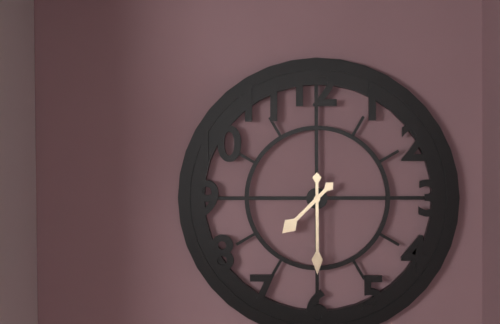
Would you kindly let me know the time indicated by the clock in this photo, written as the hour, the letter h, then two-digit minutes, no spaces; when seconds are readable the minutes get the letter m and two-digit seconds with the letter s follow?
7h30
